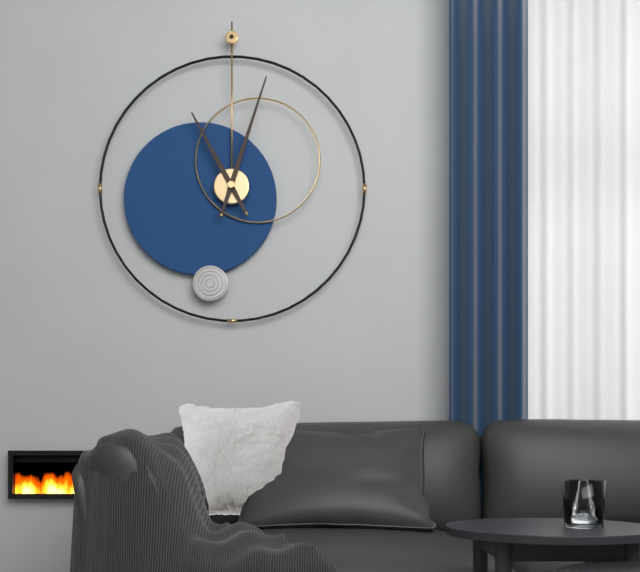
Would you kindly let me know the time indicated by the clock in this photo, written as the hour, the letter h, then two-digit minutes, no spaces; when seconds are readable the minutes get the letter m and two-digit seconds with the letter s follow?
11h03
